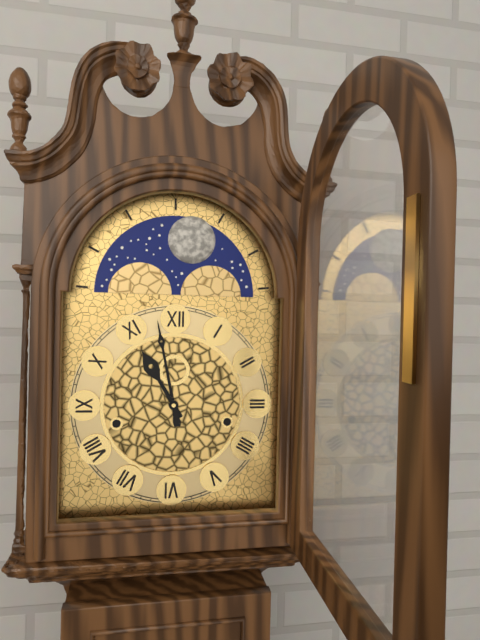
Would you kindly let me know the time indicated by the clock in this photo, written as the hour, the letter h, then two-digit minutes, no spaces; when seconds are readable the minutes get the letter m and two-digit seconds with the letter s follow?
10h58
